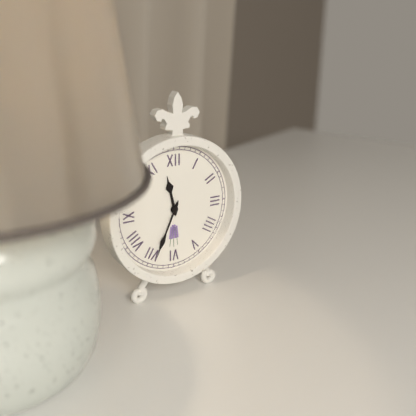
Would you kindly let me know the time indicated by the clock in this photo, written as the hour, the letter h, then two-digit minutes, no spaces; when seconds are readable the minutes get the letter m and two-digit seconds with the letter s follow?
11h34
